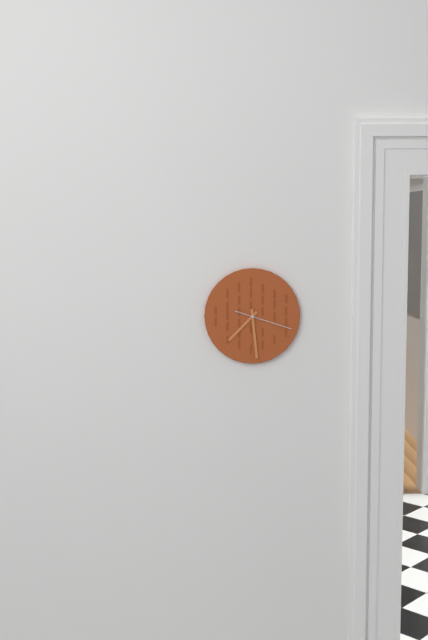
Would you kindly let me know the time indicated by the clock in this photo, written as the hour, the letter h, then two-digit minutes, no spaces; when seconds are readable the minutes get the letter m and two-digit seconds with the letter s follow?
7h29m18s
